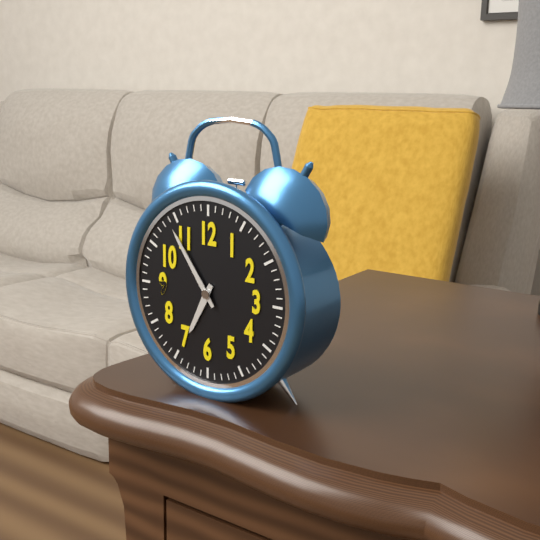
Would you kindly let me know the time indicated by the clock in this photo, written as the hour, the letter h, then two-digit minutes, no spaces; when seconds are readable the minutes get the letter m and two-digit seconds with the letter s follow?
6h54
